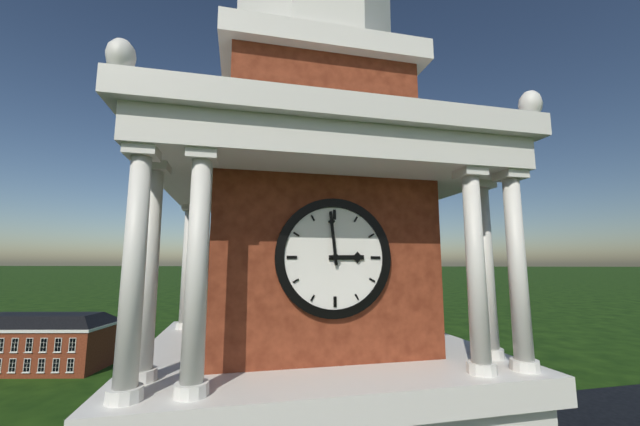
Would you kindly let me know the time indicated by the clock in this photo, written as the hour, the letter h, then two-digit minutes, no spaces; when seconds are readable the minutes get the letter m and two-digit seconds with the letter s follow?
2h59
